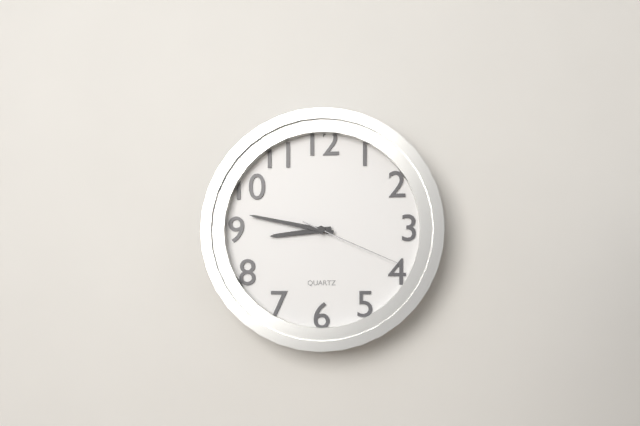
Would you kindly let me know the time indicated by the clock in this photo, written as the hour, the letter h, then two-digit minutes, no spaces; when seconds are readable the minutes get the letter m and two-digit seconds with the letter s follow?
8h47m19s
